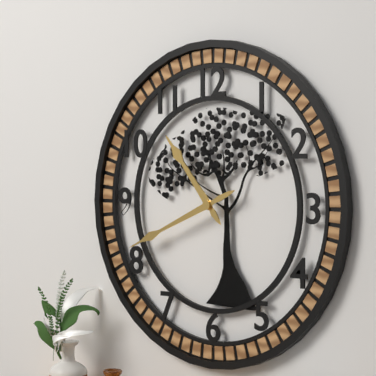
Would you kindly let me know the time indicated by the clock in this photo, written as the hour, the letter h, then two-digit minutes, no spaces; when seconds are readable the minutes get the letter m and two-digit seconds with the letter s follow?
10h41
